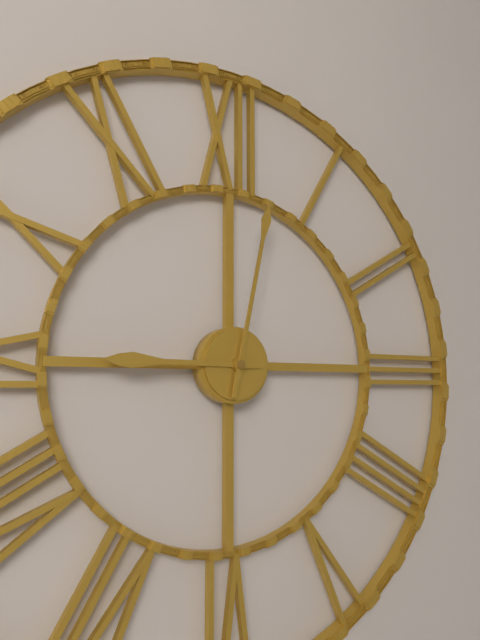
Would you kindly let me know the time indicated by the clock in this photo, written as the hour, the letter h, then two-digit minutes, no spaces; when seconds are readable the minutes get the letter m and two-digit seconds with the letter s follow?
9h02
